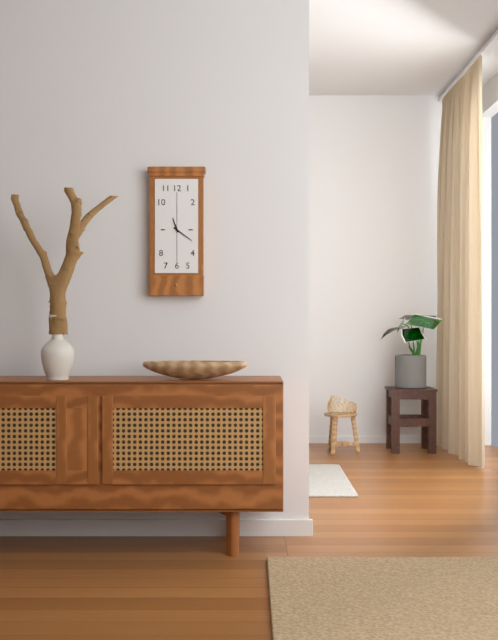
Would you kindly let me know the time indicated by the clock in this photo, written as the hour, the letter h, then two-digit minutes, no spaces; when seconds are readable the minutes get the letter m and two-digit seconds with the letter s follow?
11h21
